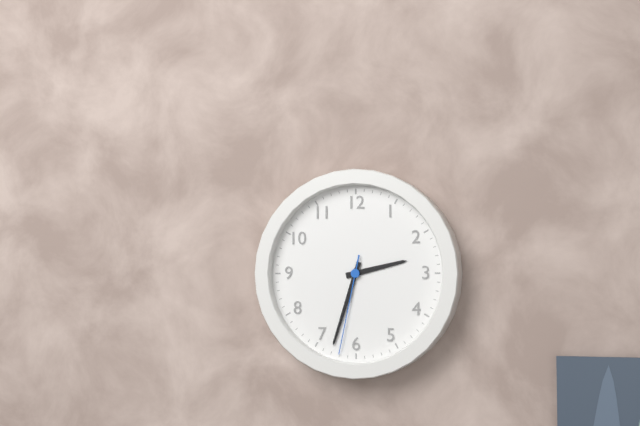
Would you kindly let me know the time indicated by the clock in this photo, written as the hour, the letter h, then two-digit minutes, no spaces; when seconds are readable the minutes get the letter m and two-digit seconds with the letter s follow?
2h33m32s
